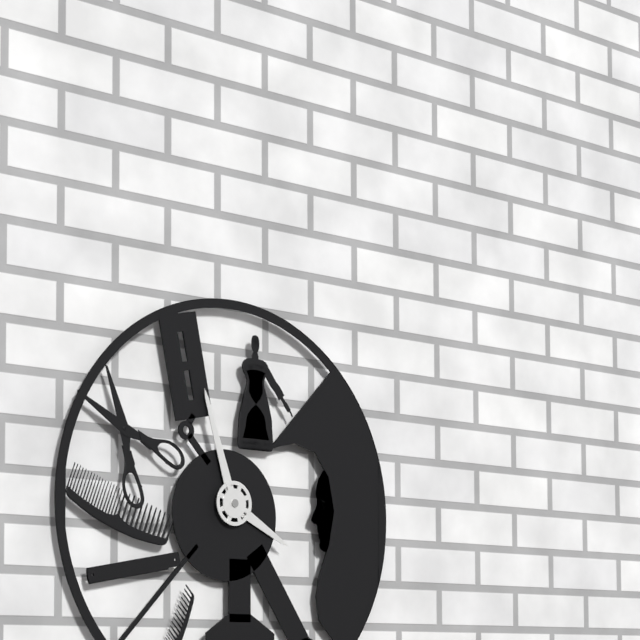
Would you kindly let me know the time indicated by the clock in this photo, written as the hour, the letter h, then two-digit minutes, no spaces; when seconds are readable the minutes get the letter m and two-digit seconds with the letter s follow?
3h57
